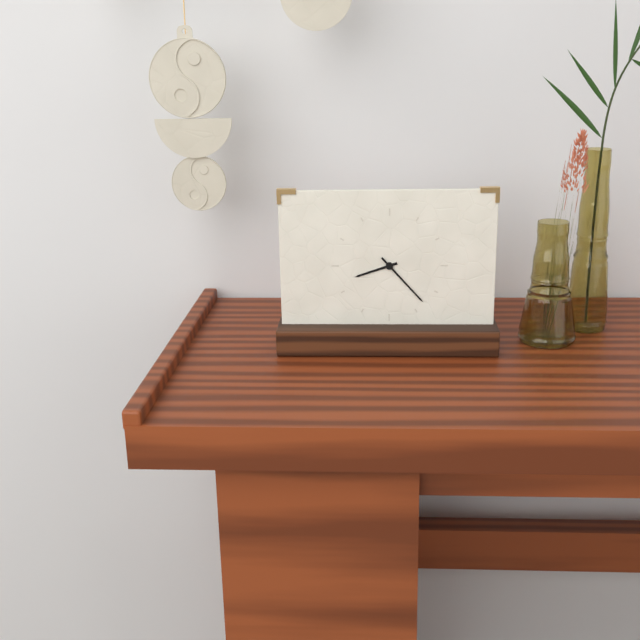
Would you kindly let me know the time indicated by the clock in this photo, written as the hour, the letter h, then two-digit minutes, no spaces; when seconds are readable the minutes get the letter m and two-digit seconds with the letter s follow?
8h23
